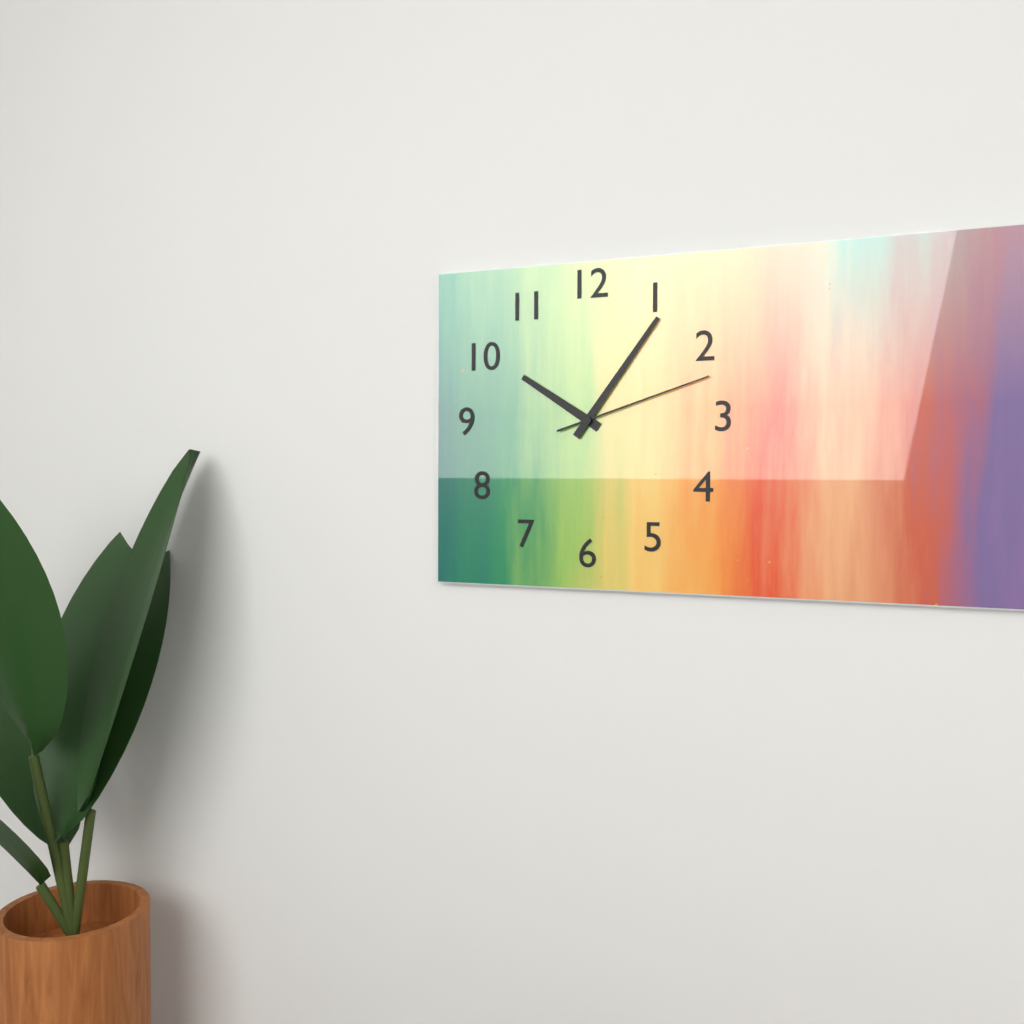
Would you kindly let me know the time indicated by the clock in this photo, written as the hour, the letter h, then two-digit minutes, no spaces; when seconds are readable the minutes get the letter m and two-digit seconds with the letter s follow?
10h06m12s
